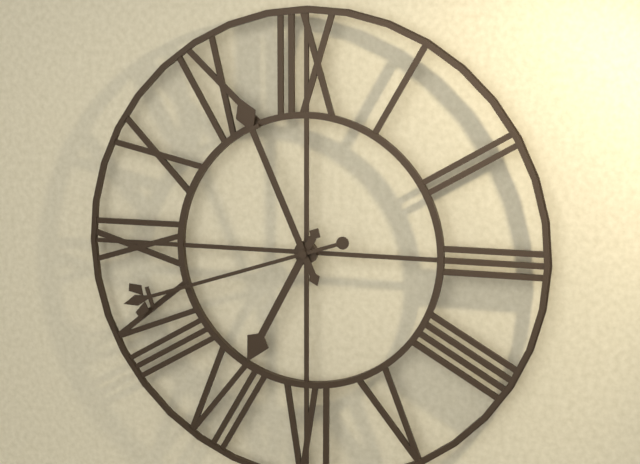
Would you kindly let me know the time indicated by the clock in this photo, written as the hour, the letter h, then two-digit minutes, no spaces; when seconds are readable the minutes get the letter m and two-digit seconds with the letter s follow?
6h56m42s
